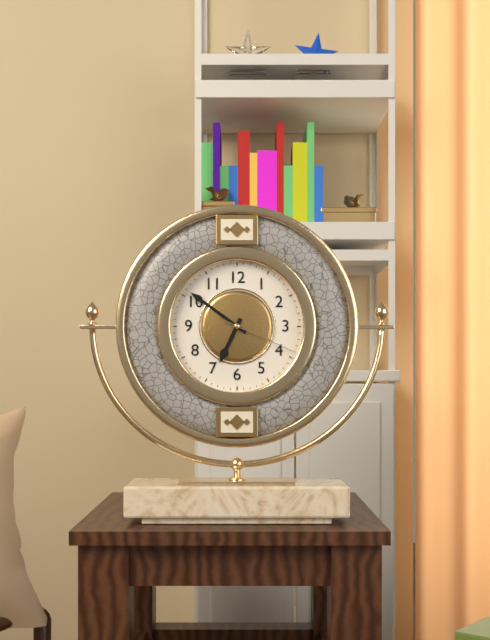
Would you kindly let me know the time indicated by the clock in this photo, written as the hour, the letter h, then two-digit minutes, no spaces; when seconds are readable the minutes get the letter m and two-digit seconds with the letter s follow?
6h51m19s
